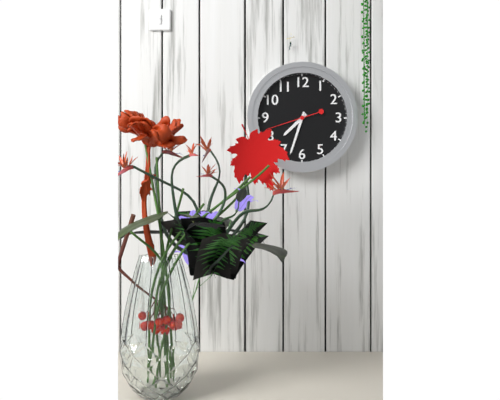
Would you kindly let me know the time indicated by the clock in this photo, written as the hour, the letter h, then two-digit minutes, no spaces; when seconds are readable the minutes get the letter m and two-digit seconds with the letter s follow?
7h33
